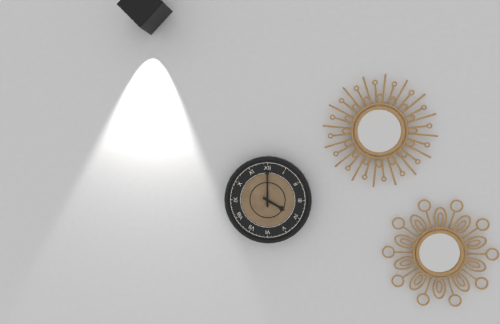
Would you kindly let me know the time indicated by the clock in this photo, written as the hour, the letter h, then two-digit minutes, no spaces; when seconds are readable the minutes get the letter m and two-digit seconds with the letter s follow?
4h00
